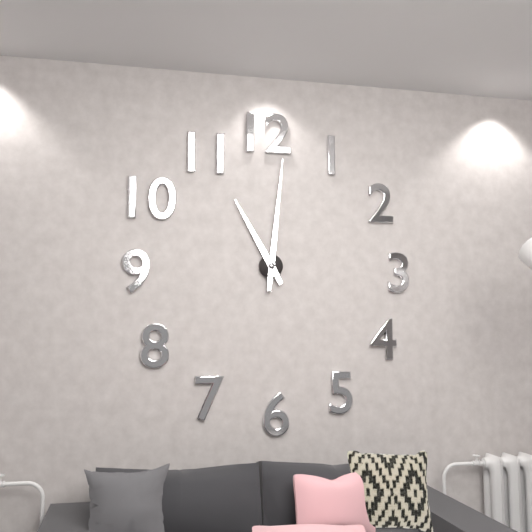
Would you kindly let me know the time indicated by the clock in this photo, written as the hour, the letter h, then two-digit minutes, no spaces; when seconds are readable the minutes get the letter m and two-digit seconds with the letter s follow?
11h01
